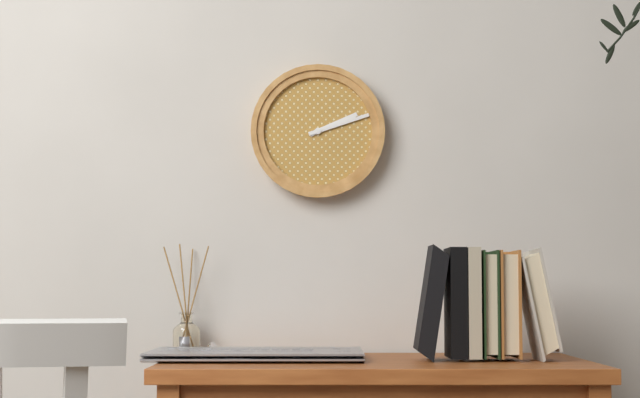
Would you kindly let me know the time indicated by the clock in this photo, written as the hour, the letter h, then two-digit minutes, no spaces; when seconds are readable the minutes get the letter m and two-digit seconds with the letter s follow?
2h12
